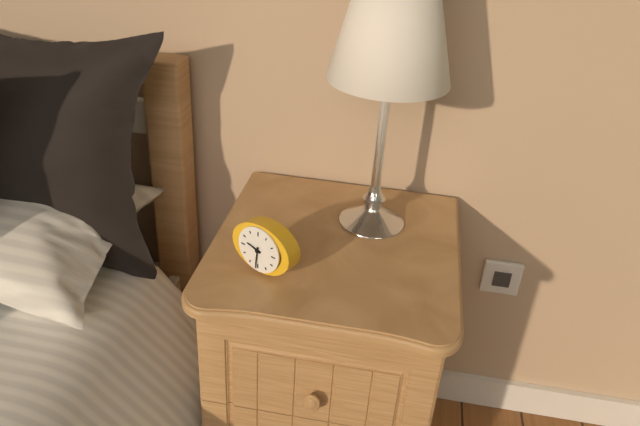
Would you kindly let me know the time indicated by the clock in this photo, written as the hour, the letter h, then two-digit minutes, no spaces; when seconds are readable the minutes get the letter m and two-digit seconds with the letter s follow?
9h31
